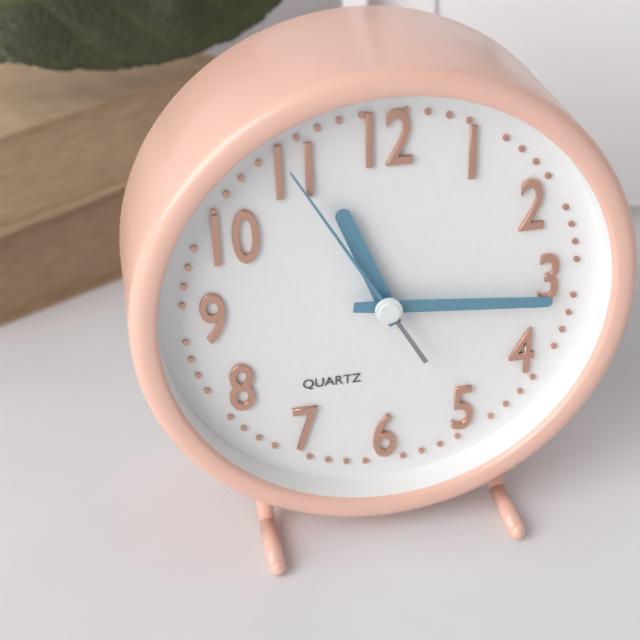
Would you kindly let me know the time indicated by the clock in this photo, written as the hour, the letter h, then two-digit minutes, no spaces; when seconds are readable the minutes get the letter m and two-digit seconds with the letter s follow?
11h16m55s
